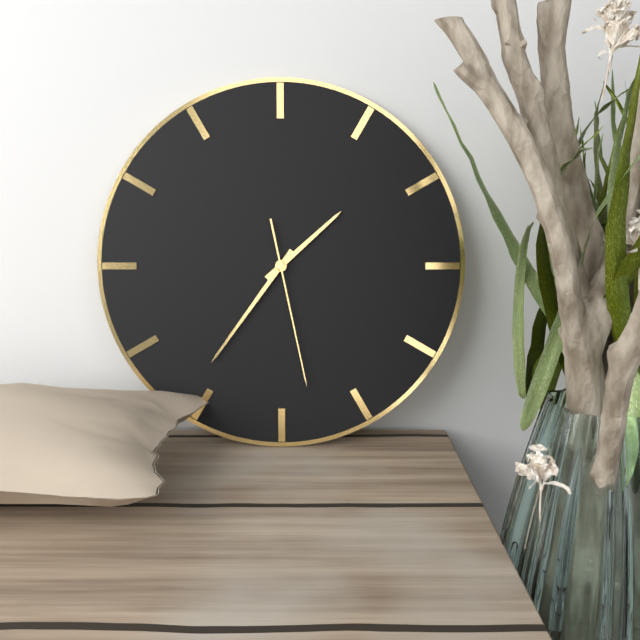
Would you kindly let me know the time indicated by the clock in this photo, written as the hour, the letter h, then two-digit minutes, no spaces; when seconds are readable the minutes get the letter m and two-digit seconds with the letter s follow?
1h36m28s
